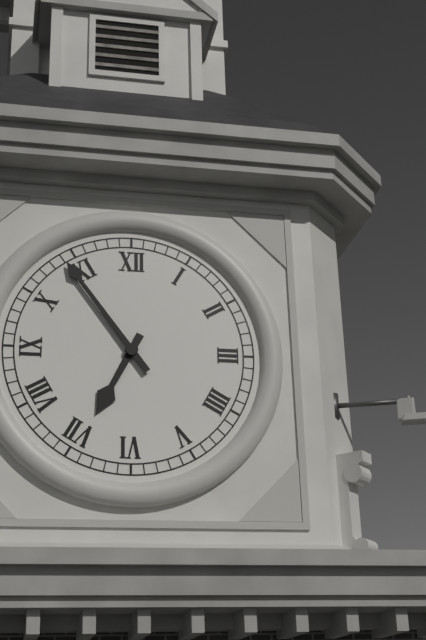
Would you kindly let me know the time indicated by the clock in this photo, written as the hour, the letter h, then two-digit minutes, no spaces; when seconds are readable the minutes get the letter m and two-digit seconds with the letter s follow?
6h54
